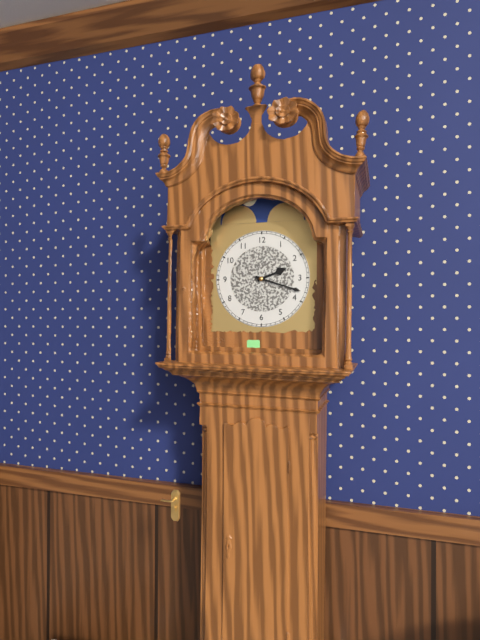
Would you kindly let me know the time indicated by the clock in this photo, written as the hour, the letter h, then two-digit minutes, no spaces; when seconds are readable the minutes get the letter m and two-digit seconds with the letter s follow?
2h18
